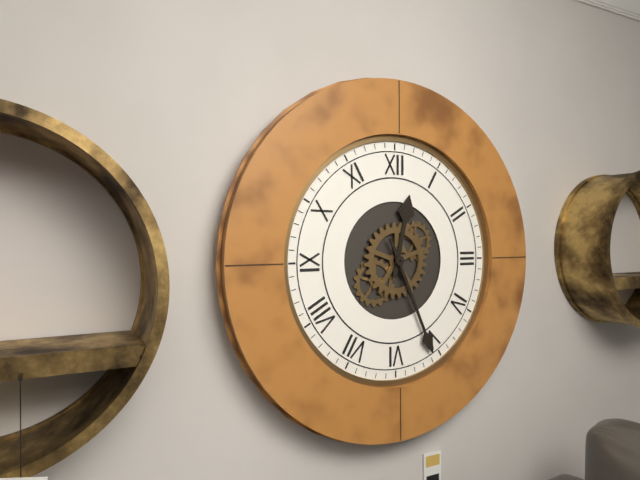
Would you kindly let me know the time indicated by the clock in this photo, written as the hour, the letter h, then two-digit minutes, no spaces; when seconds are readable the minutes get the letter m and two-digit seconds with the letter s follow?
12h26
